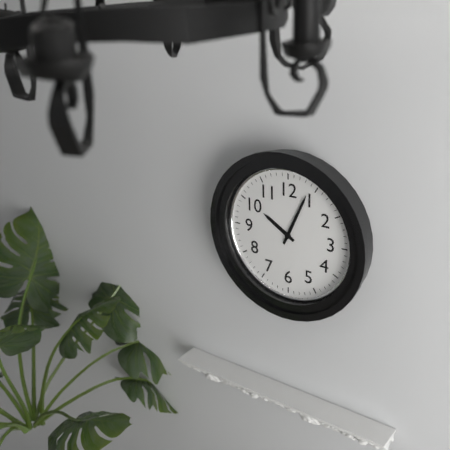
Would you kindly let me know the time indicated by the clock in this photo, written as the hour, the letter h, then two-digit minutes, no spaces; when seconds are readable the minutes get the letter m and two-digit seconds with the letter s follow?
10h04
